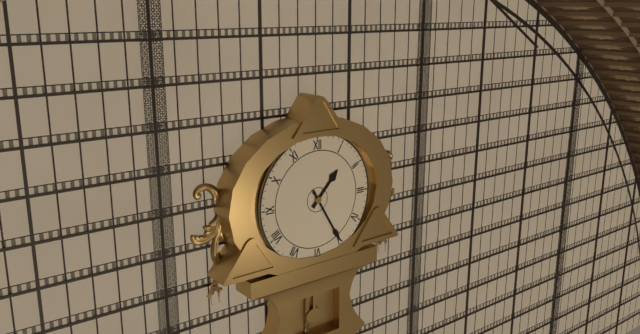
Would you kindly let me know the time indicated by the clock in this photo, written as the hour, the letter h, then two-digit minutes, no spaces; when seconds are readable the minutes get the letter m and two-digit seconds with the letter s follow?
1h25
